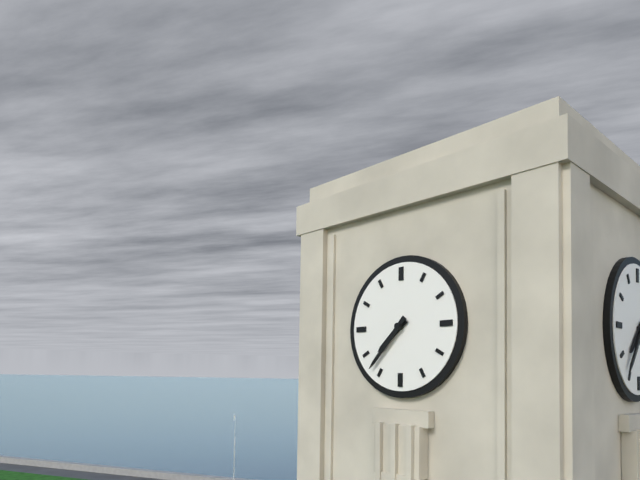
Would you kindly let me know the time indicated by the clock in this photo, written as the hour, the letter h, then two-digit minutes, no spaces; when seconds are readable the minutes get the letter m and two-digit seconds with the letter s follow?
7h37
